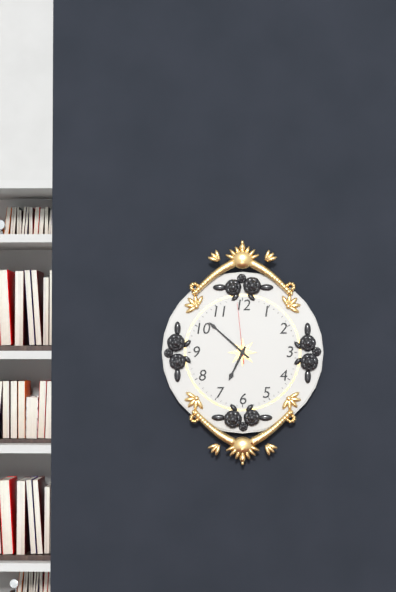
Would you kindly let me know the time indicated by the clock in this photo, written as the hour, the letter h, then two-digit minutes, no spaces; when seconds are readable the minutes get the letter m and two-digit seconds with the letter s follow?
6h52m59s
